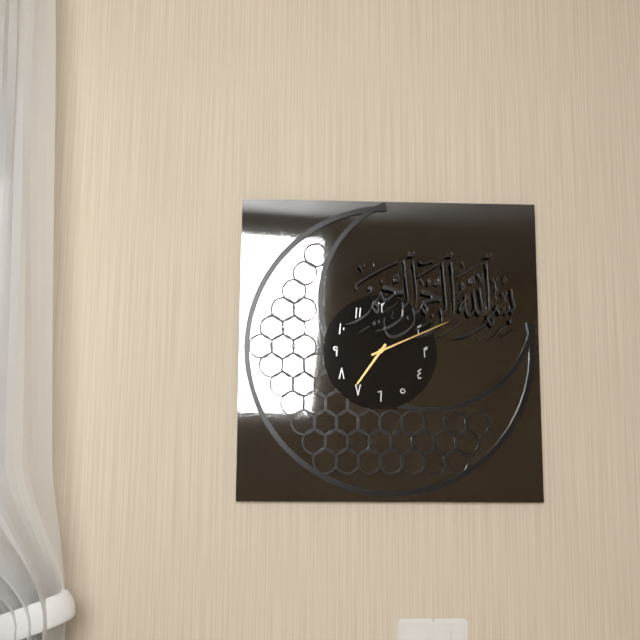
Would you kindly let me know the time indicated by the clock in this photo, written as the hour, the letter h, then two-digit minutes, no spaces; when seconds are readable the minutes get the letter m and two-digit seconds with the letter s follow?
7h11
